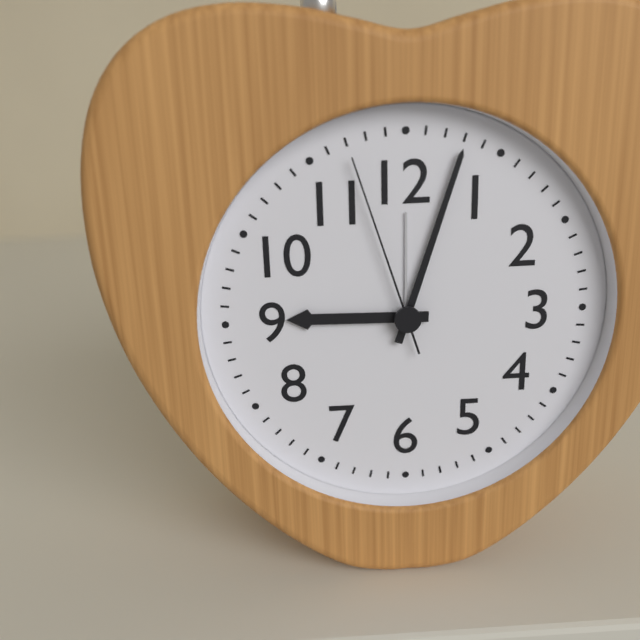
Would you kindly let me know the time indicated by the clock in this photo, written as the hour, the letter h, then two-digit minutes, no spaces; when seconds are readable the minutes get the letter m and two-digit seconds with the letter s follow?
9h03m57s
